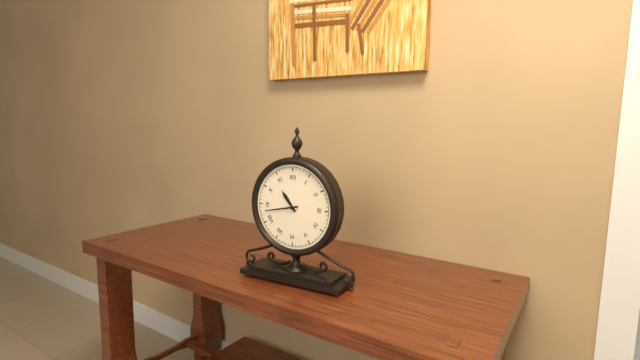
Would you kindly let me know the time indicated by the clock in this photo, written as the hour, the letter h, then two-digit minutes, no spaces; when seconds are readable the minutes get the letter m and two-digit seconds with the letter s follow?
10h43
